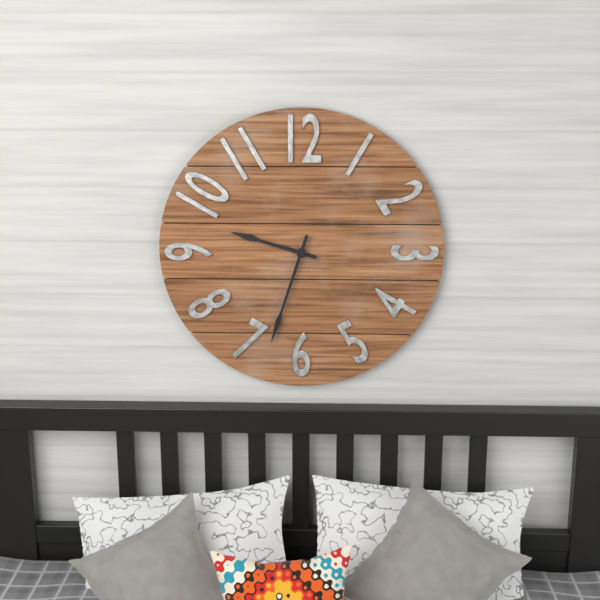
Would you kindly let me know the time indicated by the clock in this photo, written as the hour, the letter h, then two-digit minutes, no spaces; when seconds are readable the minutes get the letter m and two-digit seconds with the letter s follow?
9h33
